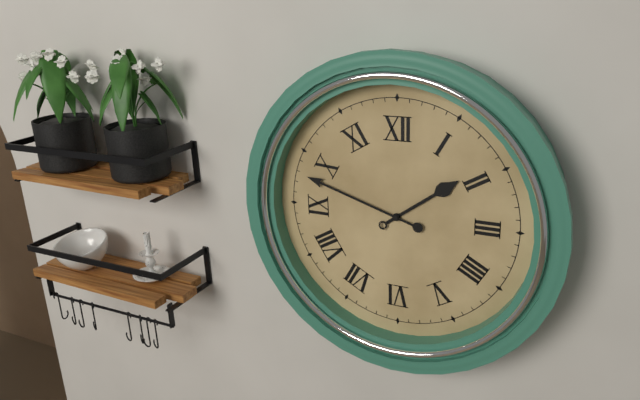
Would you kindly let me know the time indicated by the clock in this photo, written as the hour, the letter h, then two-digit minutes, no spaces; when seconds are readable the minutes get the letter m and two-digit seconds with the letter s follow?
1h48
